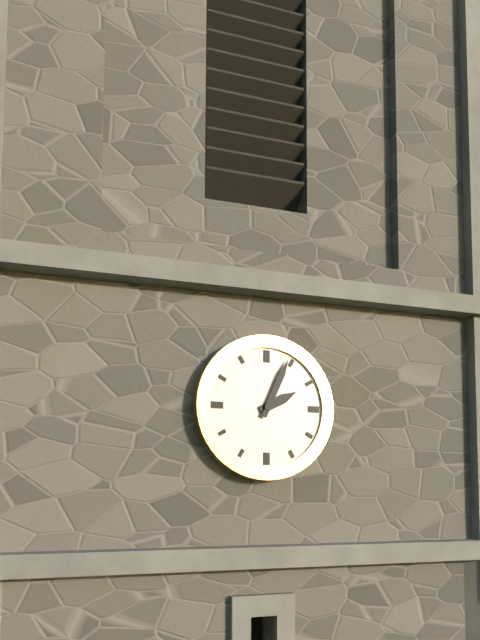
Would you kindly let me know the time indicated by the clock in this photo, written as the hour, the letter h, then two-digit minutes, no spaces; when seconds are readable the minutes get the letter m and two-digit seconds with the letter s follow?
2h04
